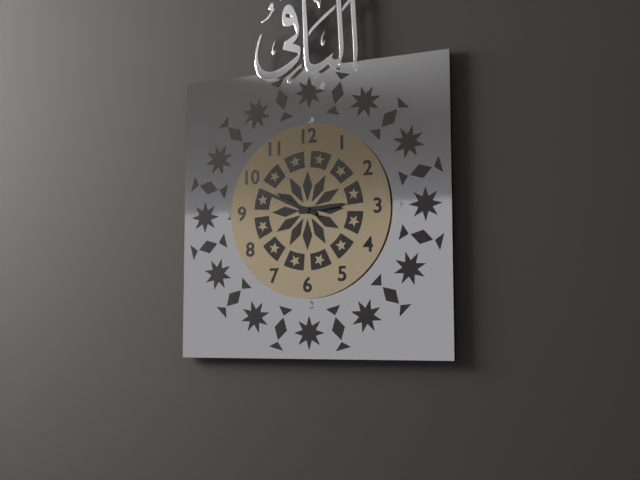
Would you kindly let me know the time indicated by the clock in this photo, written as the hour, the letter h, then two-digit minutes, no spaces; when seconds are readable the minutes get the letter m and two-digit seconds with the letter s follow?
2h49
